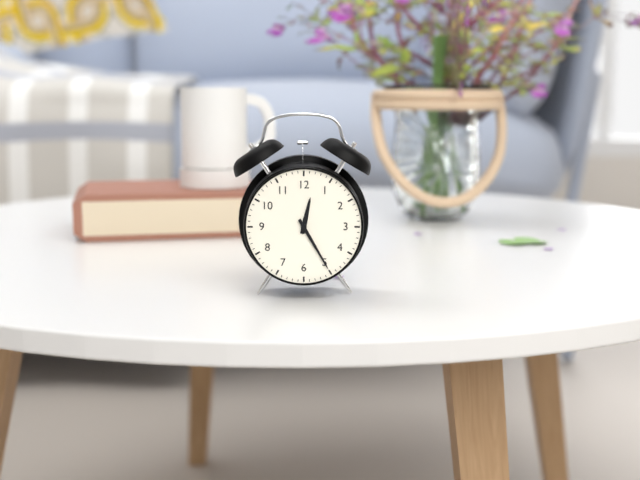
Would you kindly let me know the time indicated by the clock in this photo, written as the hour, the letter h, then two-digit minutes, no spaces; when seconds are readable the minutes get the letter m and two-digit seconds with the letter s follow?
12h25
